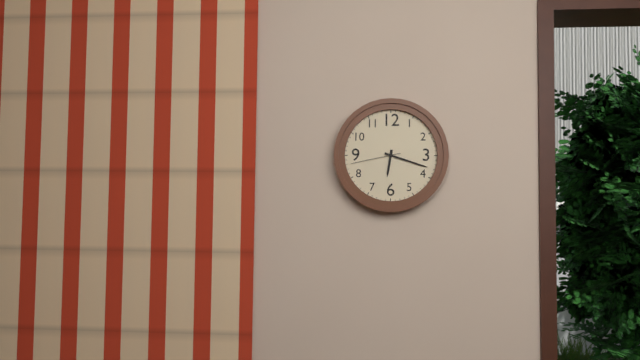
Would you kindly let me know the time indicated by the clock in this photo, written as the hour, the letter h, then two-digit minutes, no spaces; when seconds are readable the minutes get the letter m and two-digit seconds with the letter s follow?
6h18m43s
